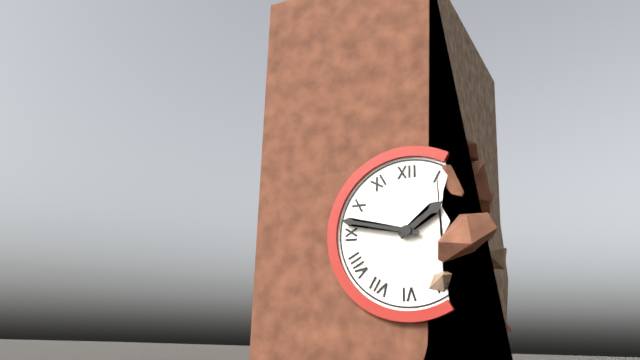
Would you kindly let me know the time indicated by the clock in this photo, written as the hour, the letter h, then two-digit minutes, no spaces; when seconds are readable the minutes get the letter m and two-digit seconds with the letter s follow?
1h47
